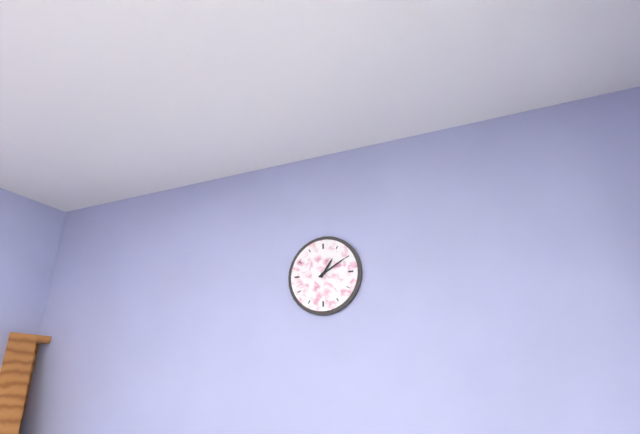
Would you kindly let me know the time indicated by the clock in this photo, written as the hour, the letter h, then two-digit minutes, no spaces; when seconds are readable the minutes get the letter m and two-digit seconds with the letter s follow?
1h10
